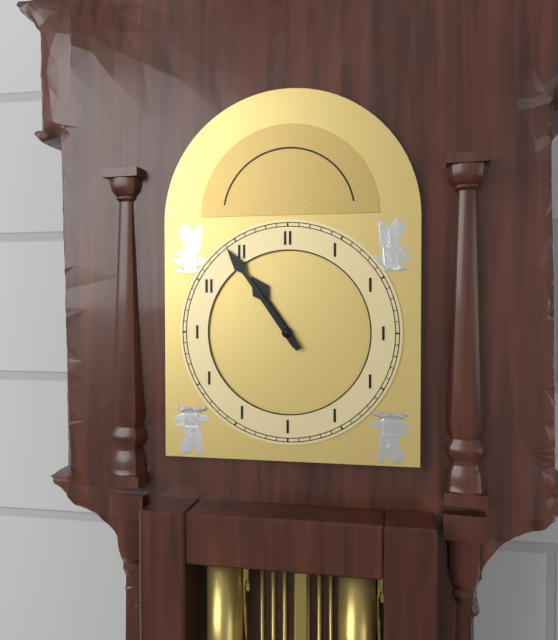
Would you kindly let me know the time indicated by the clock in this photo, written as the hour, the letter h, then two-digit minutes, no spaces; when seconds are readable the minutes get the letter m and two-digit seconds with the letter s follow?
10h54
